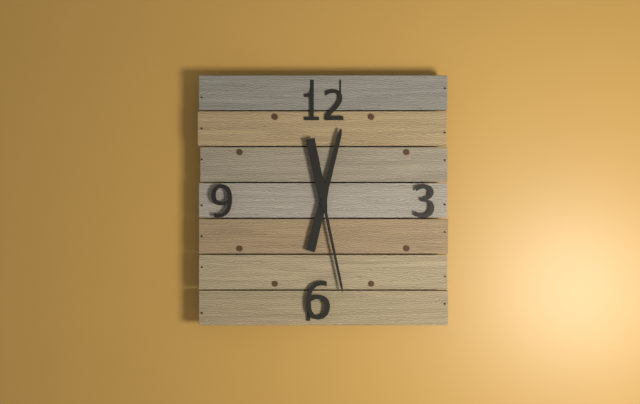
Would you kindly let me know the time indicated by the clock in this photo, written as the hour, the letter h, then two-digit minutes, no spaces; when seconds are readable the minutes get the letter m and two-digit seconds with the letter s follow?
12h28
